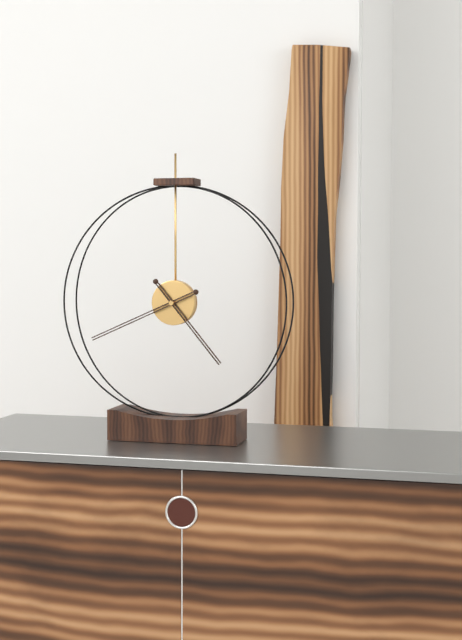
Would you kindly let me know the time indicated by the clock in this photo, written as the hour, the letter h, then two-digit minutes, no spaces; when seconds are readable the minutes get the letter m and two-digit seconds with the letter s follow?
4h41
